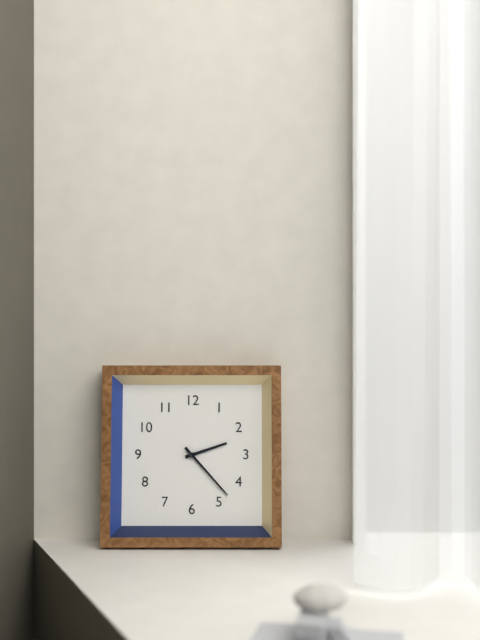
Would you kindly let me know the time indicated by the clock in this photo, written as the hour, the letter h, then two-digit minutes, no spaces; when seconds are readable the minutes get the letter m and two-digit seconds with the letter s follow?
2h23
